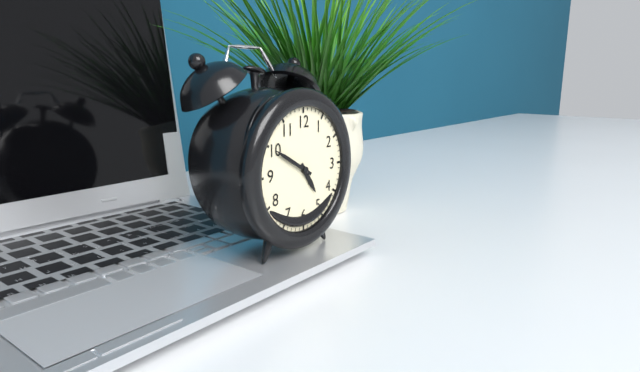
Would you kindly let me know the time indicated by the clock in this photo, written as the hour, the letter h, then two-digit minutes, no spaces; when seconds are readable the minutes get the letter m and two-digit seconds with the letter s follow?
4h50
